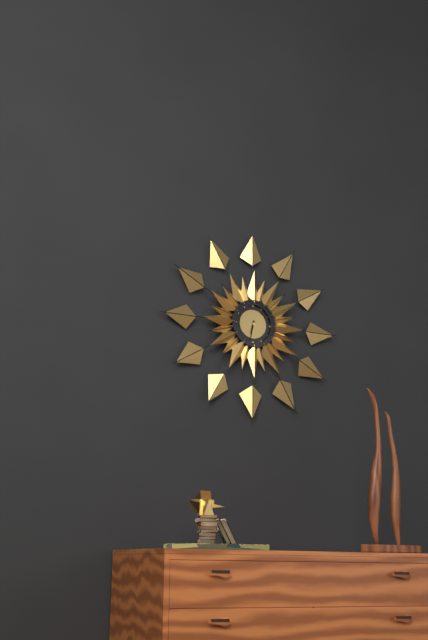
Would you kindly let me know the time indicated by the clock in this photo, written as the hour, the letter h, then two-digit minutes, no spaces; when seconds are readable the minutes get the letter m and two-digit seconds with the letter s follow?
6h32
